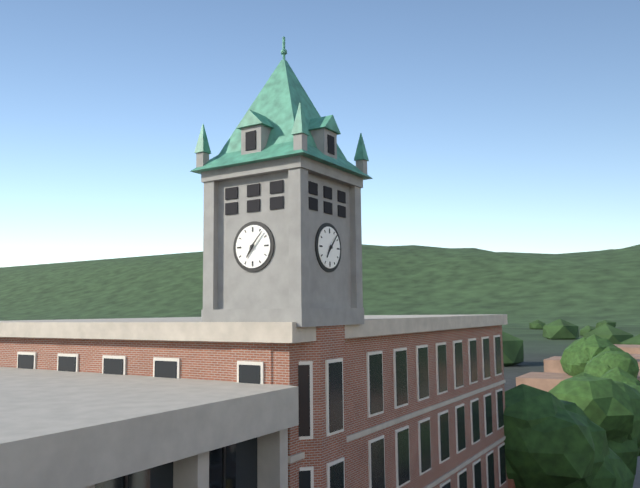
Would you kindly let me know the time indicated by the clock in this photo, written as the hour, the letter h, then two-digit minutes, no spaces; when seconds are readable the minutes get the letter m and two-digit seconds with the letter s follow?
7h07
